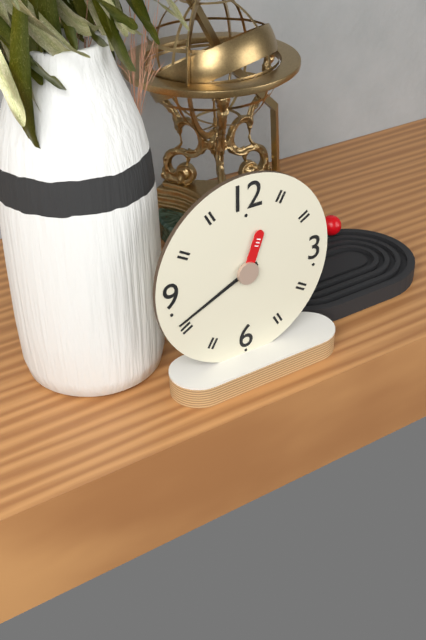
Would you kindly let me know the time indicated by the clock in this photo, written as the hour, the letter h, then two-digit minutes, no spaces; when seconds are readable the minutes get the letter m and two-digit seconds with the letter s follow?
12h41
